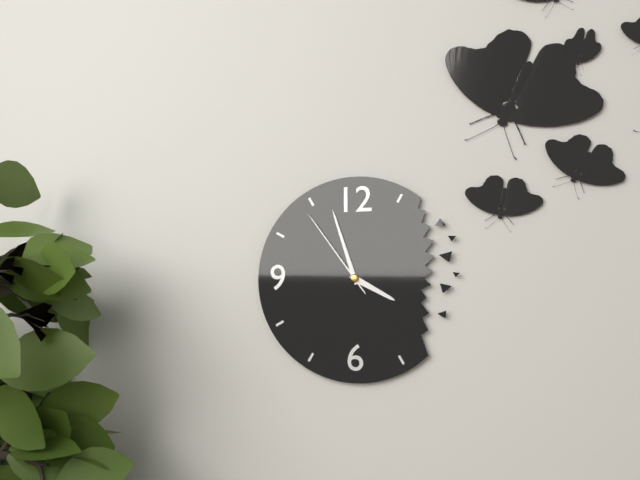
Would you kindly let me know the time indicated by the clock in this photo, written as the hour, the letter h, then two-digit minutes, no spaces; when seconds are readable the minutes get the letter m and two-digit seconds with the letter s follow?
3h57m54s
